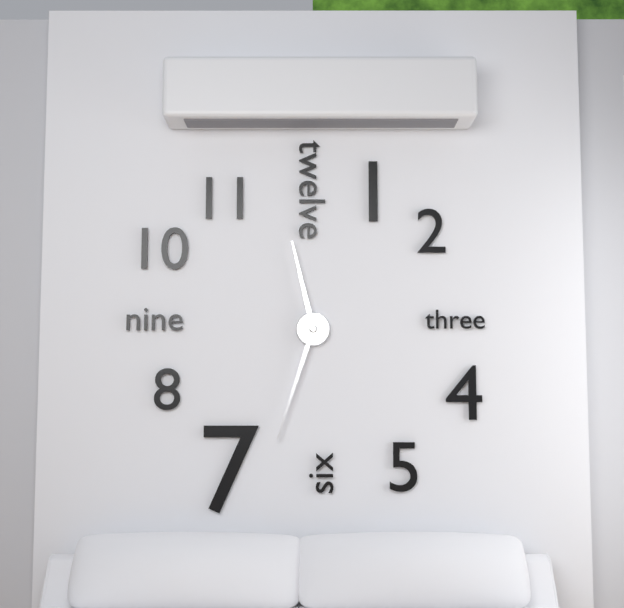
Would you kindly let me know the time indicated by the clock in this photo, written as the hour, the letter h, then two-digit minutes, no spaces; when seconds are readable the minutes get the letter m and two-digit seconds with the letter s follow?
11h33
